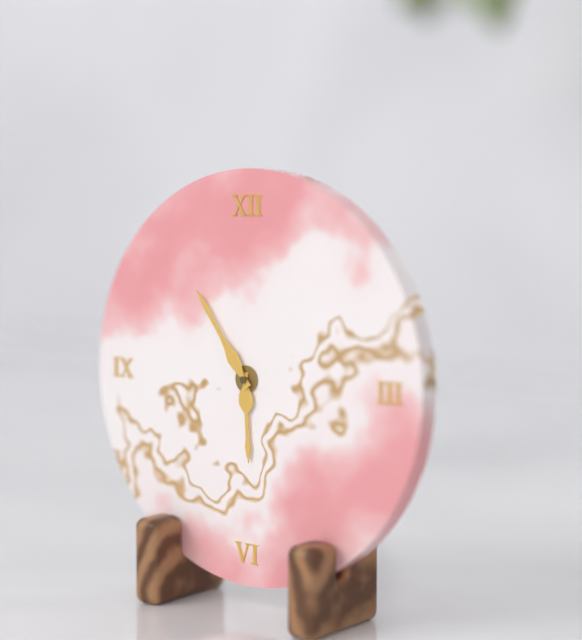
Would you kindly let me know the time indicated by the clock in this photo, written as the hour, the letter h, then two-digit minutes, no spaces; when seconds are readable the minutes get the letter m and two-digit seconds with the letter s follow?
5h54
